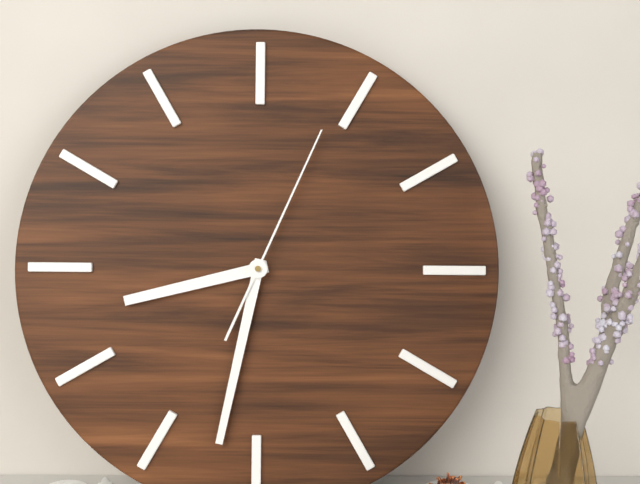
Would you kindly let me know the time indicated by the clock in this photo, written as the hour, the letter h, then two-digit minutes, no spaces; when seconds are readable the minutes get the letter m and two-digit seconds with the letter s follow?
8h32m04s
